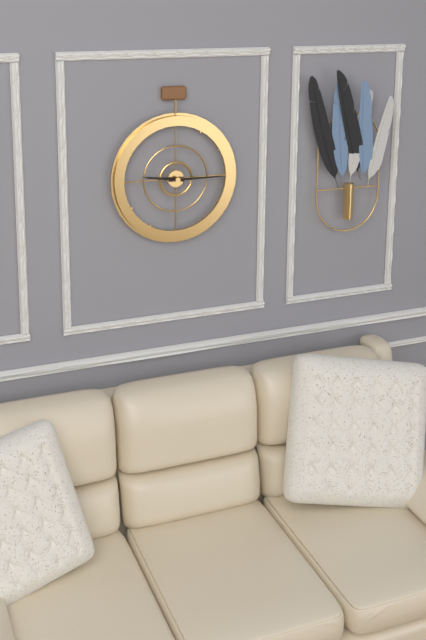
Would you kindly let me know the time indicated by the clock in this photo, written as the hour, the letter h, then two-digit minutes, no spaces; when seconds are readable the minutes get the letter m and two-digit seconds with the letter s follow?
9h15
